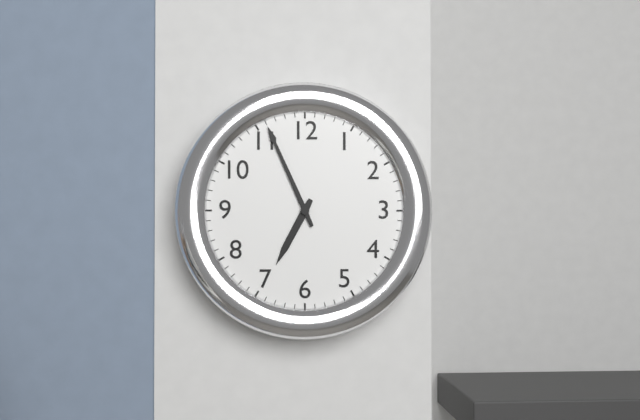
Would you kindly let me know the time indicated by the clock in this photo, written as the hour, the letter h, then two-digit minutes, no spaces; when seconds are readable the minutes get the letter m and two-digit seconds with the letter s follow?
6h56
